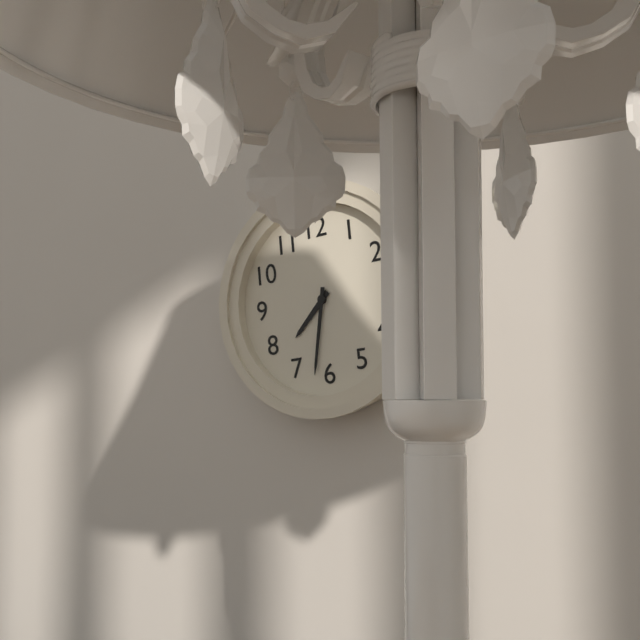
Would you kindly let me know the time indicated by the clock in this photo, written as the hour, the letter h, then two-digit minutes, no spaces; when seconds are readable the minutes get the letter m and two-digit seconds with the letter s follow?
7h32
